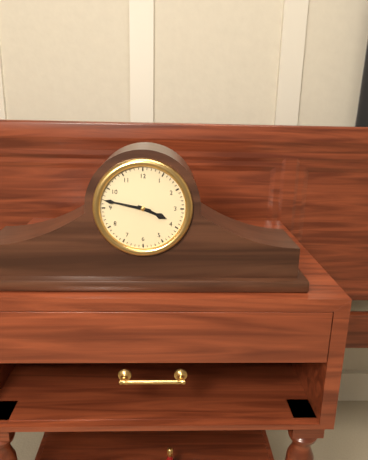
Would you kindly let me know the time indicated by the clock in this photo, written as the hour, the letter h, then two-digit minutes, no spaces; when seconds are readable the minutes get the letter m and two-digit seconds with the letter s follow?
3h47
